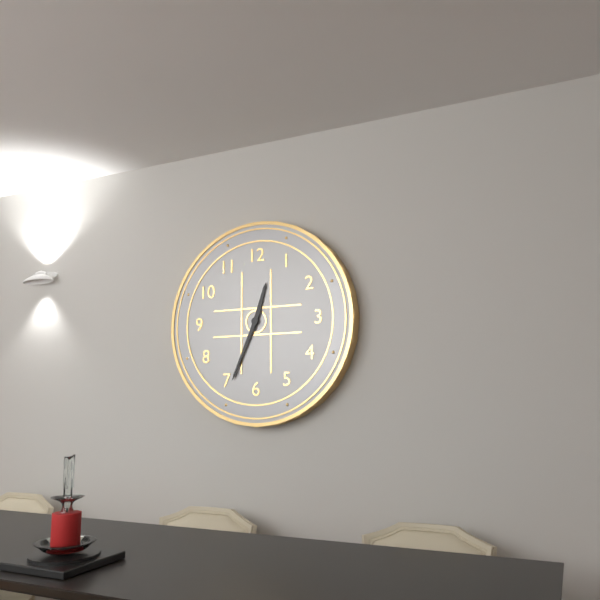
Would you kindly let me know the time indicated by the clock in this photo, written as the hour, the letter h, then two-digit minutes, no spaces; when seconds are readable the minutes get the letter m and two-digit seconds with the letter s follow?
12h34
